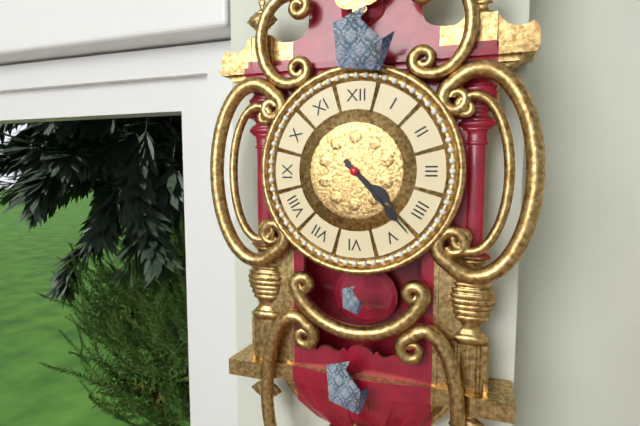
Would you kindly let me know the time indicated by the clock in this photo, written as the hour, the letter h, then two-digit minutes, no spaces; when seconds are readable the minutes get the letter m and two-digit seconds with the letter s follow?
4h23
